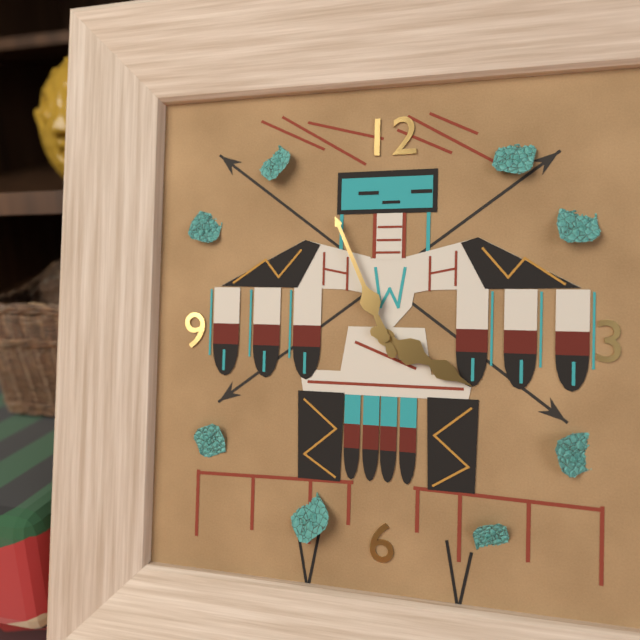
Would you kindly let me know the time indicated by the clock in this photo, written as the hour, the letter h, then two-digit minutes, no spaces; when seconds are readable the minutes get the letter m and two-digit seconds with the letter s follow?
3h56
